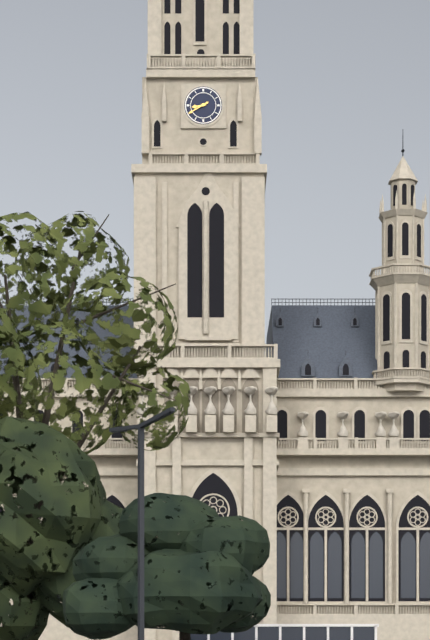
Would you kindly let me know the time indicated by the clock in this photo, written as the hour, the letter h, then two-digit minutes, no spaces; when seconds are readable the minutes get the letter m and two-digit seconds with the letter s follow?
8h40
